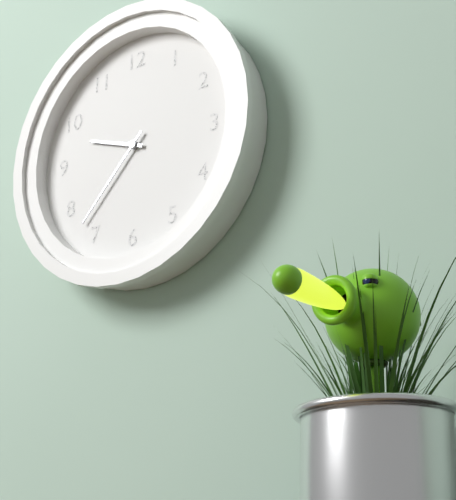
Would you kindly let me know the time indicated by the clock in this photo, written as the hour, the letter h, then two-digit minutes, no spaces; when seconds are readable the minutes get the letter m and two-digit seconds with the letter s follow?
9h37
